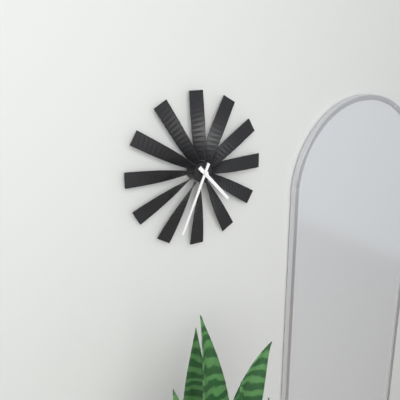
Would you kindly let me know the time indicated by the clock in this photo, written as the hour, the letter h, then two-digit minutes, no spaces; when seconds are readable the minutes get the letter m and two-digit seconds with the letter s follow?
4h34
